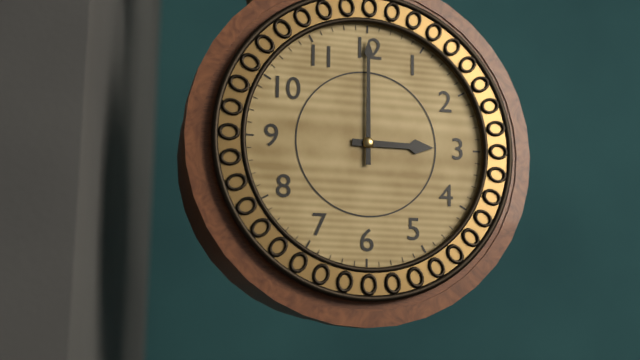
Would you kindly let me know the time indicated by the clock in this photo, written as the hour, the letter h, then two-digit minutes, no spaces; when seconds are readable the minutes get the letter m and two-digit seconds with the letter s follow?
3h00
